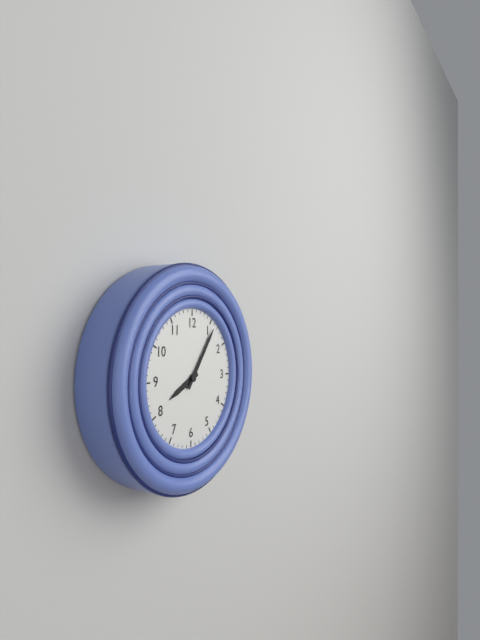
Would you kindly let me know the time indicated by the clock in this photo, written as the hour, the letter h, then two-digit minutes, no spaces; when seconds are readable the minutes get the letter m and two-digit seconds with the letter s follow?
8h06
